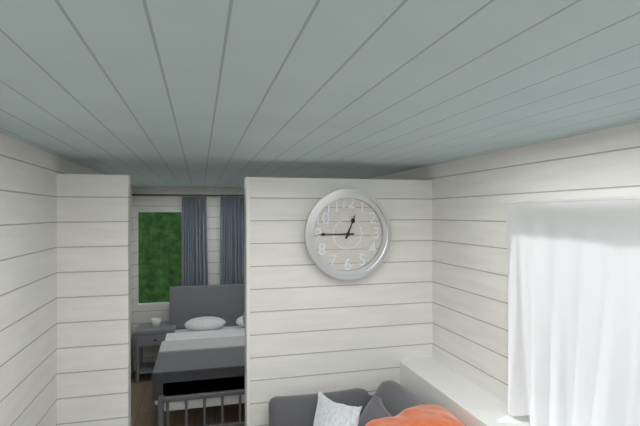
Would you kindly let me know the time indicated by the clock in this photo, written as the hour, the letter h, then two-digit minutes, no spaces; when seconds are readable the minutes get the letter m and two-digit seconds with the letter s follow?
12h45
